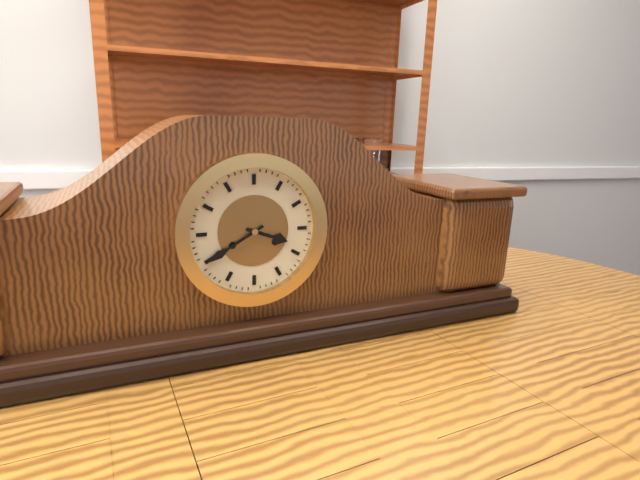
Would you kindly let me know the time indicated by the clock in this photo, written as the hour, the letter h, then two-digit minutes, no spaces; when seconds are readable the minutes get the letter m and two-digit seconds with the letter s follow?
3h40
